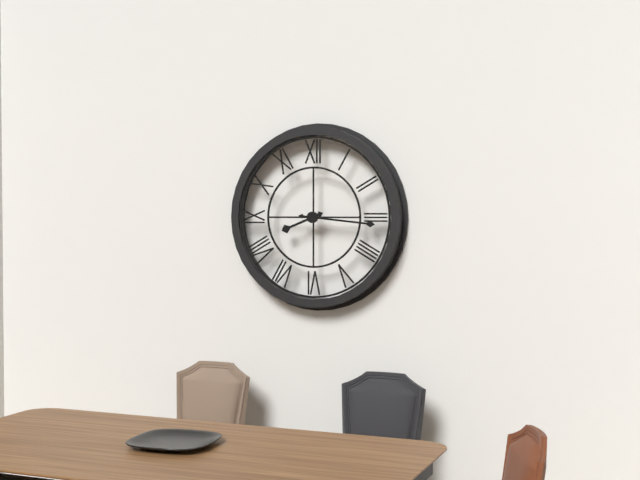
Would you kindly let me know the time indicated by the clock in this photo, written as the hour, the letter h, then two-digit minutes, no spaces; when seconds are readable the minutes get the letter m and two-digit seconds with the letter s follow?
8h16
